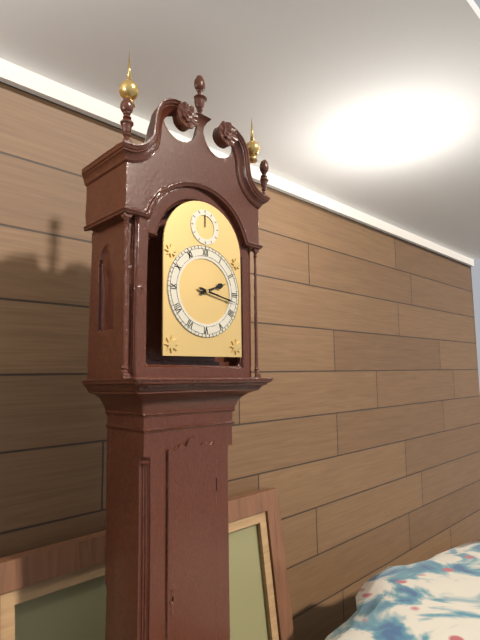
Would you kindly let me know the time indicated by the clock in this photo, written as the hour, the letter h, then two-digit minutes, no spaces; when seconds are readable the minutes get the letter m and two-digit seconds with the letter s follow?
2h17
